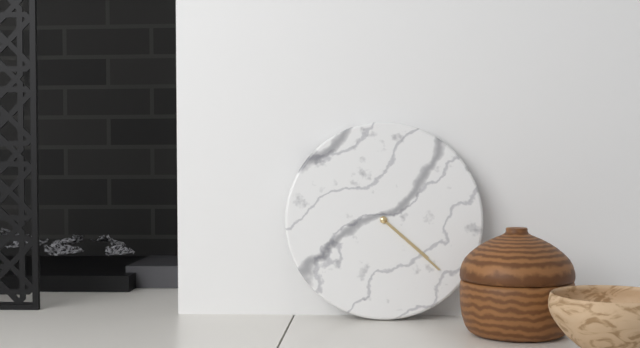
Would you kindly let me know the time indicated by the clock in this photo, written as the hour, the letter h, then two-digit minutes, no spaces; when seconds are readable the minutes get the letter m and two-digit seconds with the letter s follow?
4h22
